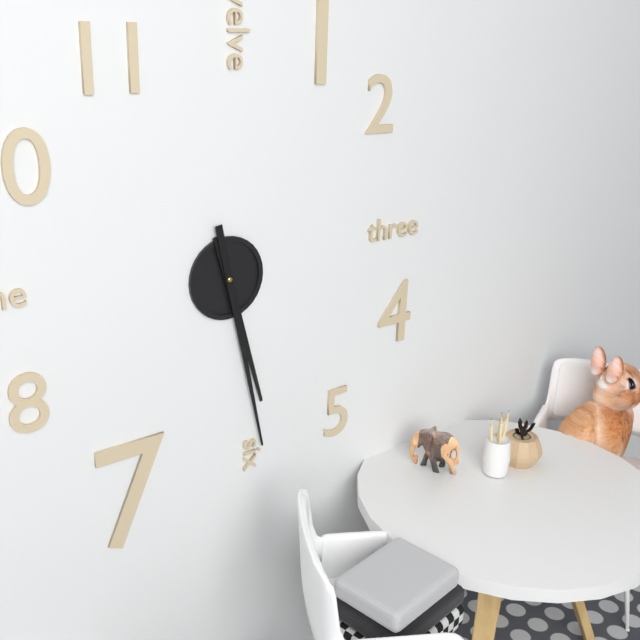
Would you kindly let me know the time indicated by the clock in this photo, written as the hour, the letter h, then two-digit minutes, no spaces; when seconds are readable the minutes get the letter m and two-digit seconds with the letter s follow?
5h28
